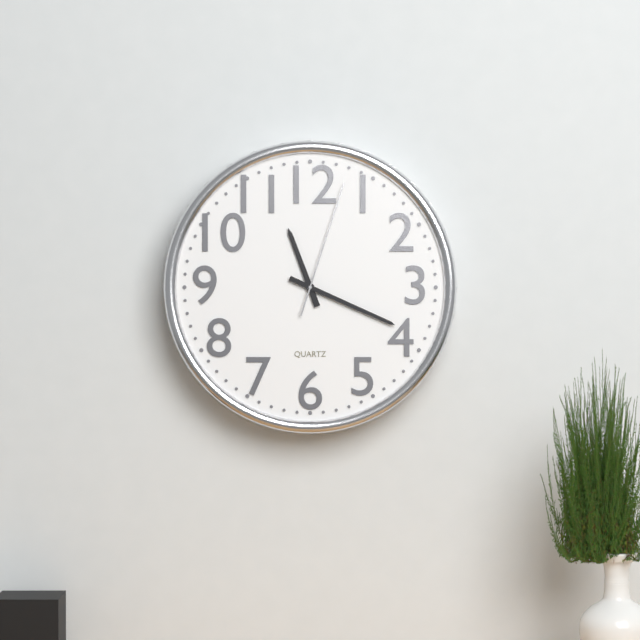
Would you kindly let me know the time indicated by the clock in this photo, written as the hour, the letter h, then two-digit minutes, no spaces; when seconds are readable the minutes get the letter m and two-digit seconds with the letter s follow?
11h19m03s
